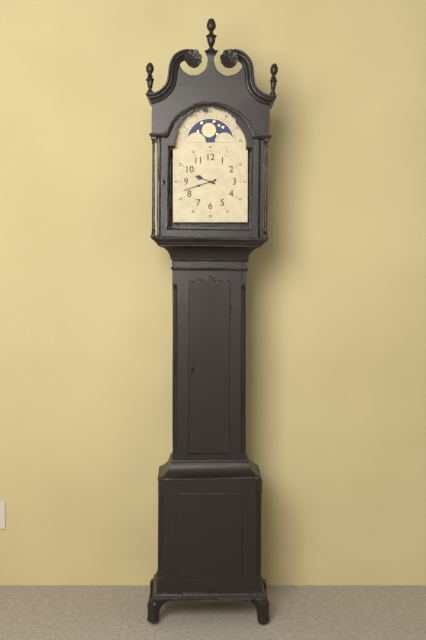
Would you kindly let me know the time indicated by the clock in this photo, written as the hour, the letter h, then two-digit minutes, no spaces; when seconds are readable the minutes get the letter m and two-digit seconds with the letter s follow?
9h42
